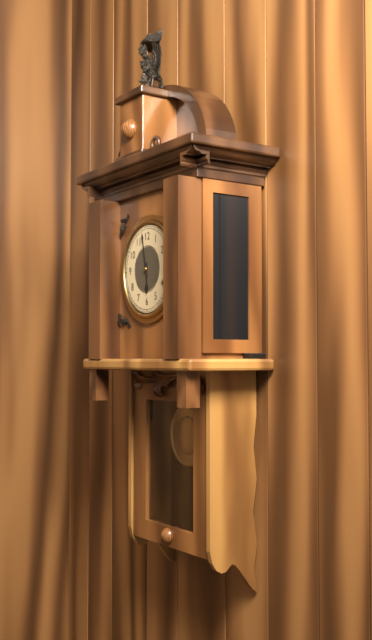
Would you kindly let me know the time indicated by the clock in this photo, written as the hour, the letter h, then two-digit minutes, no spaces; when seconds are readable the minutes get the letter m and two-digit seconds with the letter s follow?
5h58
